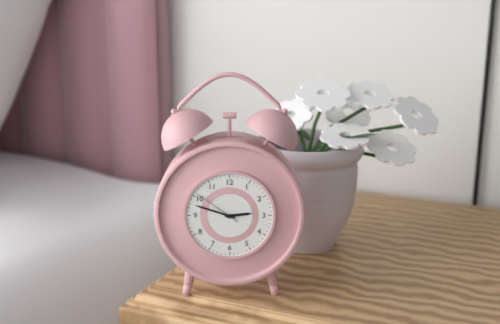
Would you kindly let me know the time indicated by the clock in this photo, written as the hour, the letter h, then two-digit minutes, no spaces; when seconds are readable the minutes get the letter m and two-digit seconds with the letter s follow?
2h48
